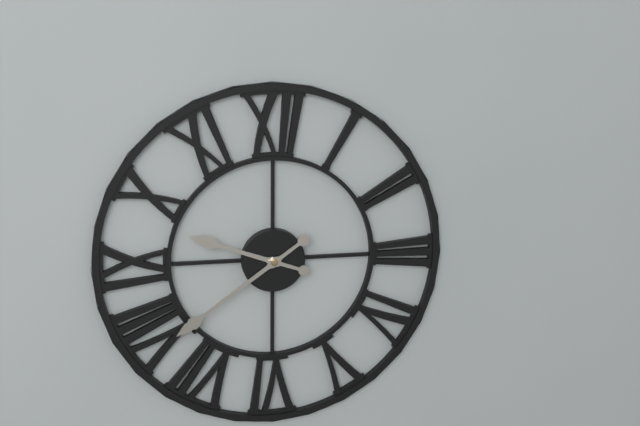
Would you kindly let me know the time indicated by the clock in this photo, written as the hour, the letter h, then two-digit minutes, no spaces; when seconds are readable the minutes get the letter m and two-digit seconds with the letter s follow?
9h39
